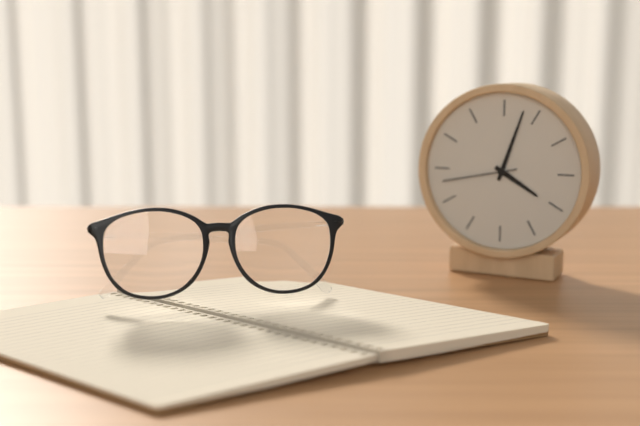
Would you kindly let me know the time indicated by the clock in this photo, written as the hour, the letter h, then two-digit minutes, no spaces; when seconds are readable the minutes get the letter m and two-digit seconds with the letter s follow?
4h03m43s
